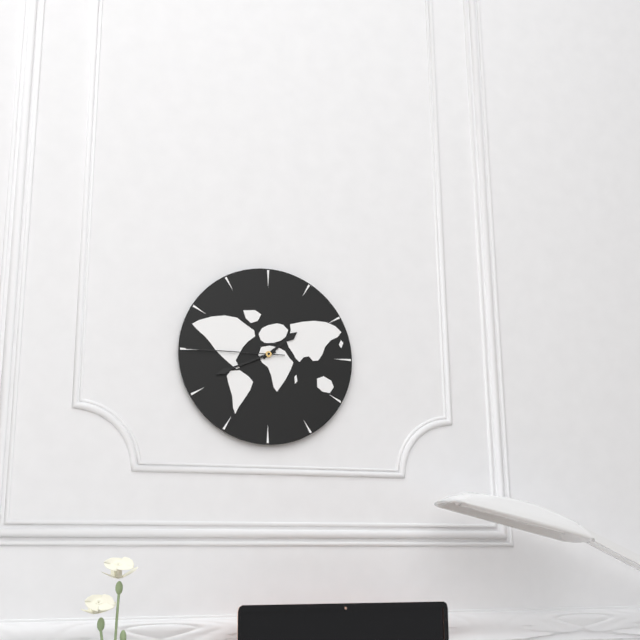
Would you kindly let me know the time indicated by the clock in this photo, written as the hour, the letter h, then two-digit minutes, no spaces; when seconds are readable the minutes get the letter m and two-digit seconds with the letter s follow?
1h41m45s
